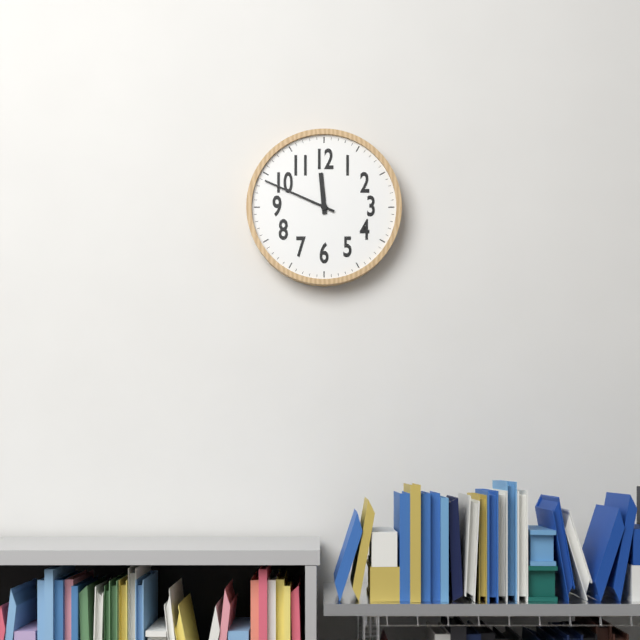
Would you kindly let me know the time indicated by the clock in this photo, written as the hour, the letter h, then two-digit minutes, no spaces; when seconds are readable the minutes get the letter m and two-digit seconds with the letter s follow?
11h49
